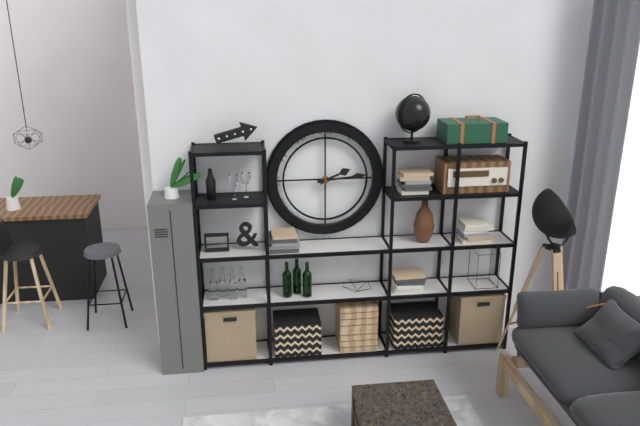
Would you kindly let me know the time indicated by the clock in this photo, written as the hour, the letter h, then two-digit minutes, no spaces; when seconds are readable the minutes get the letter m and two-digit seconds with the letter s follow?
2h14
